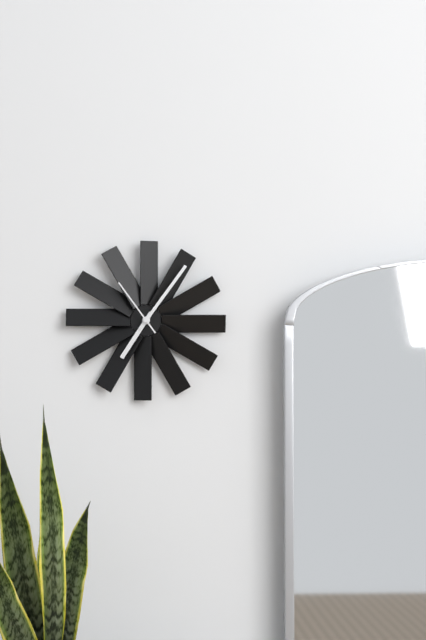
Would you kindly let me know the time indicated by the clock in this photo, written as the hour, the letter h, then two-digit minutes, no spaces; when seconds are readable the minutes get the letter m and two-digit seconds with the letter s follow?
7h06m54s
